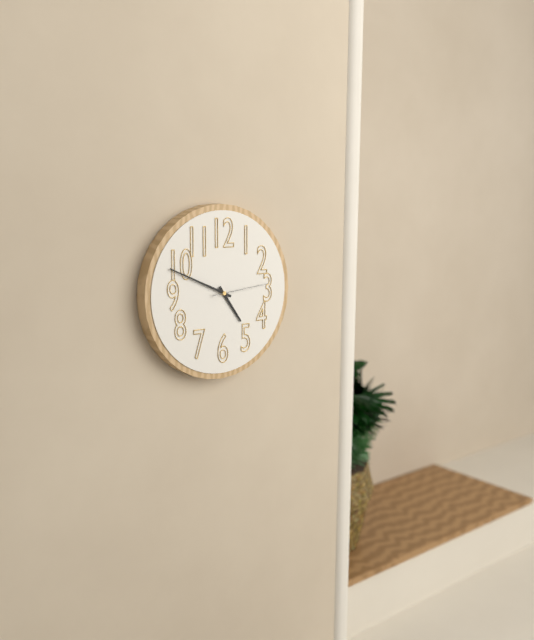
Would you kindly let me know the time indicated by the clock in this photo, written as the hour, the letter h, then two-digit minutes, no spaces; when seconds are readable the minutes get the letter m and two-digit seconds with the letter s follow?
4h49m14s
